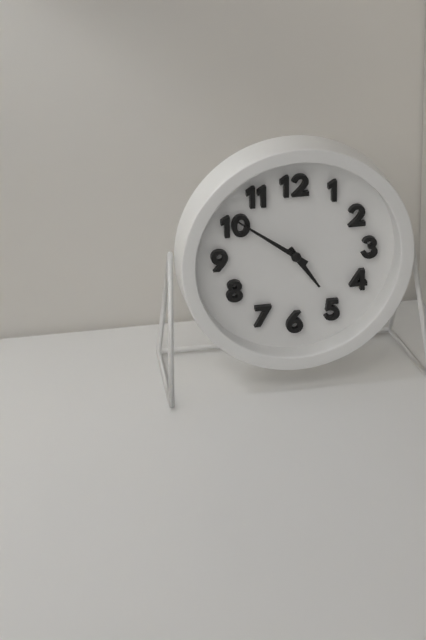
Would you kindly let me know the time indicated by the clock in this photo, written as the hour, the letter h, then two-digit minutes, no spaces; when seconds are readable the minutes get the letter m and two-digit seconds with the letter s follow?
4h51
